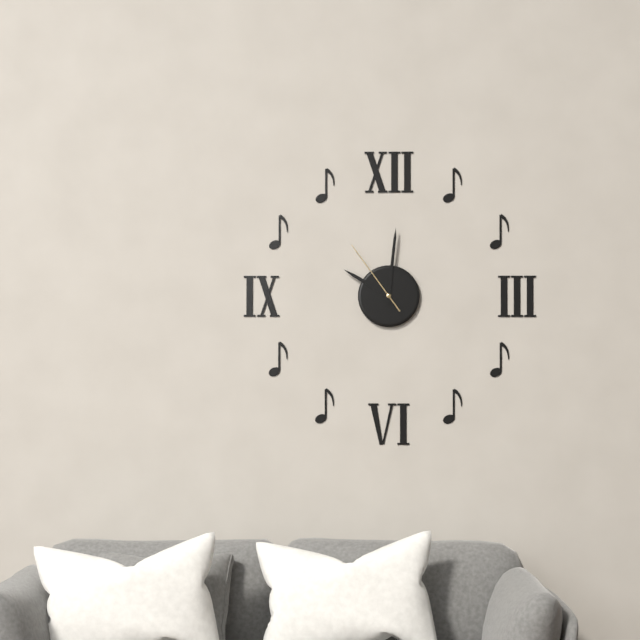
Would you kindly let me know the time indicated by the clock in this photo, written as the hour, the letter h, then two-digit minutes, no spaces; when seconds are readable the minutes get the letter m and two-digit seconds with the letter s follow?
10h01m54s
